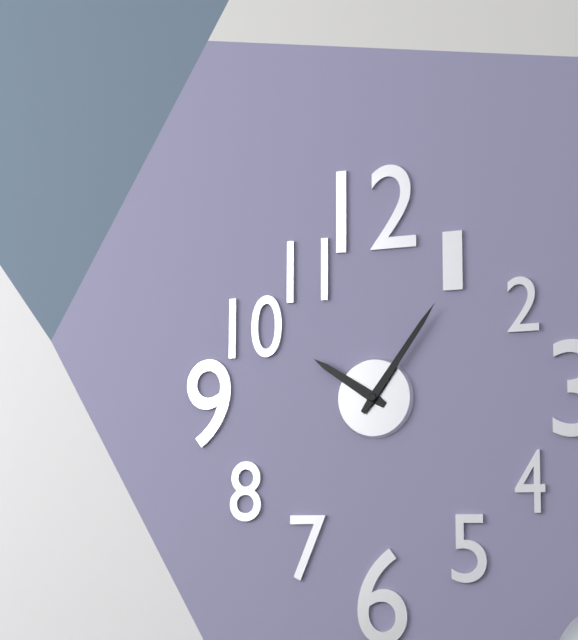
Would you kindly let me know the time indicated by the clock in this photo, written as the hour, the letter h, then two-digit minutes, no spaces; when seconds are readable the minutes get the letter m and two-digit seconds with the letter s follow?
10h06
